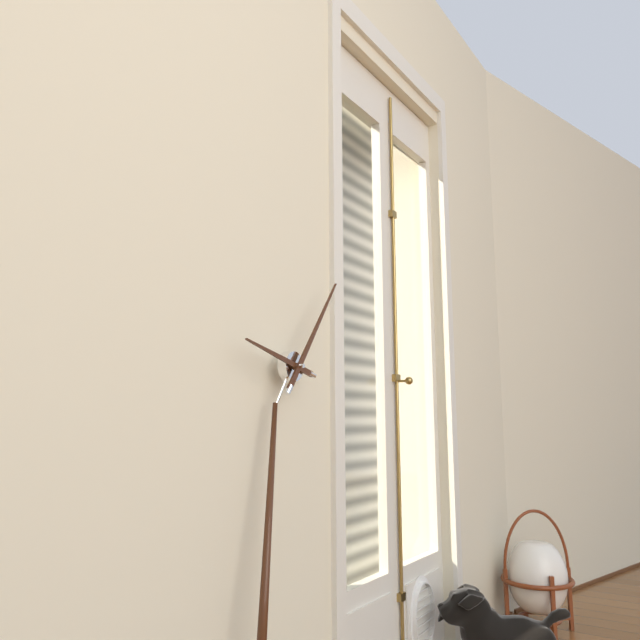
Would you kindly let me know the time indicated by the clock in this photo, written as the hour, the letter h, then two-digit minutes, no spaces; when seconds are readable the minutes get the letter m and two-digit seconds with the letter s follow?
9h04
